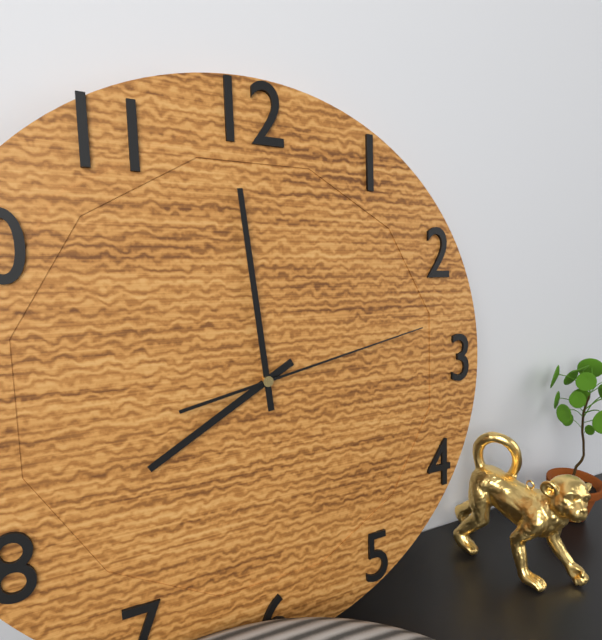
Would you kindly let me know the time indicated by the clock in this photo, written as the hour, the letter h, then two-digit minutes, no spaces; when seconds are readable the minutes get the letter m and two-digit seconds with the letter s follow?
7h59m13s
